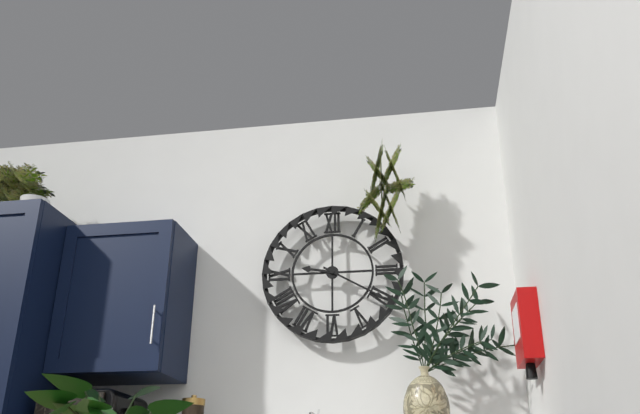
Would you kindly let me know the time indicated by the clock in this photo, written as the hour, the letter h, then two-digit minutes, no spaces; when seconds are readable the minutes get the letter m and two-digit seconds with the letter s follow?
9h20
